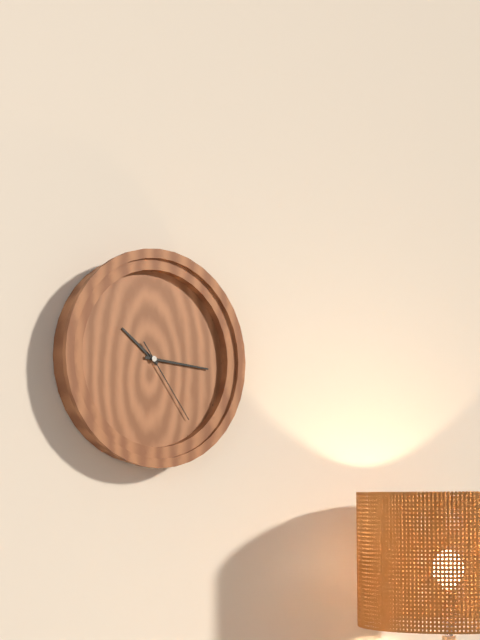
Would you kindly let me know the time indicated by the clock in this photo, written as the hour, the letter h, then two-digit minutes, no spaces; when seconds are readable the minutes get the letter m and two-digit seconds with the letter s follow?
10h16m24s
